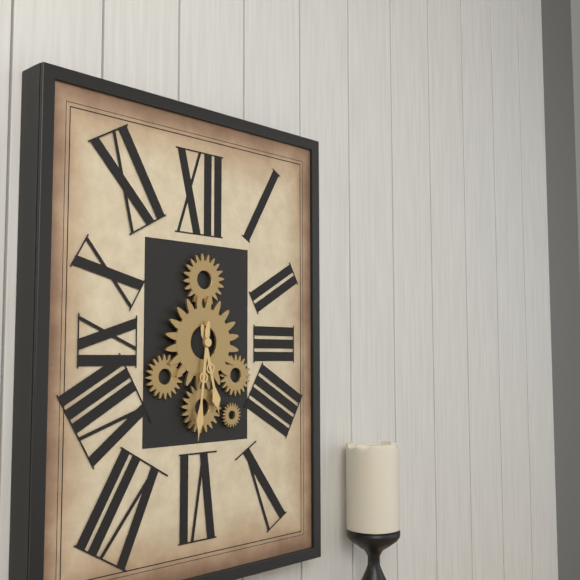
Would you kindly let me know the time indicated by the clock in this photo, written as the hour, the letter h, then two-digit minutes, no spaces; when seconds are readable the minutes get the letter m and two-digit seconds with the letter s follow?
5h31
